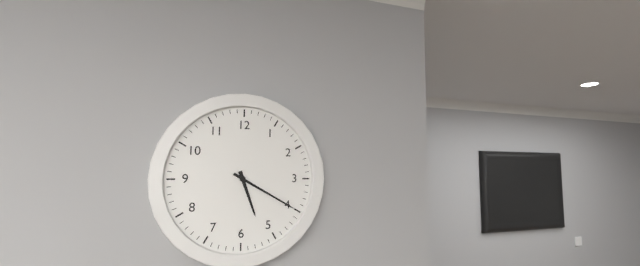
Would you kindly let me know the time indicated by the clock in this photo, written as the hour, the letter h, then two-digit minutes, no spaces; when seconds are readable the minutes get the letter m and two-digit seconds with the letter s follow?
5h20
